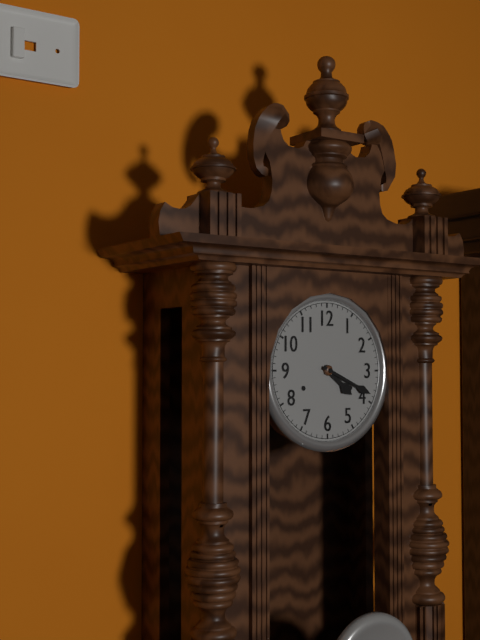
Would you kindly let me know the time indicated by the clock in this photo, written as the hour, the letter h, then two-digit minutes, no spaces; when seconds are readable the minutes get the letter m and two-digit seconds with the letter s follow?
4h19
